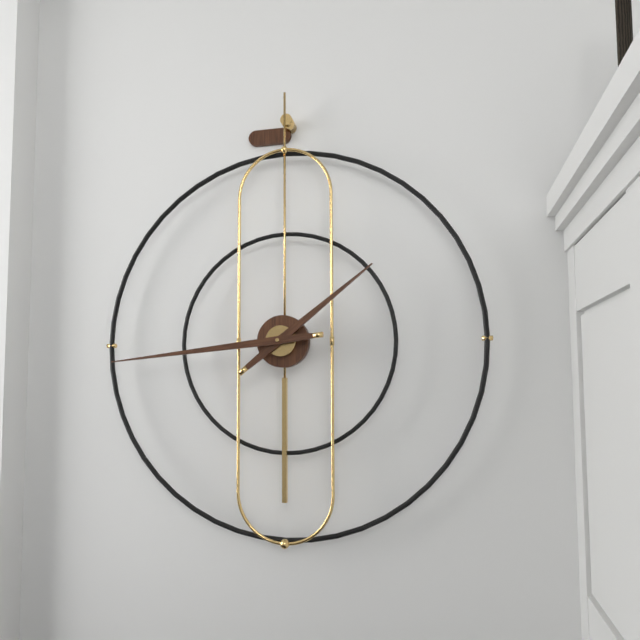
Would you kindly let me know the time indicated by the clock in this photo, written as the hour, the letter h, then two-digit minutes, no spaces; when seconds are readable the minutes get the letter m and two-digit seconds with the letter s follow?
1h44
